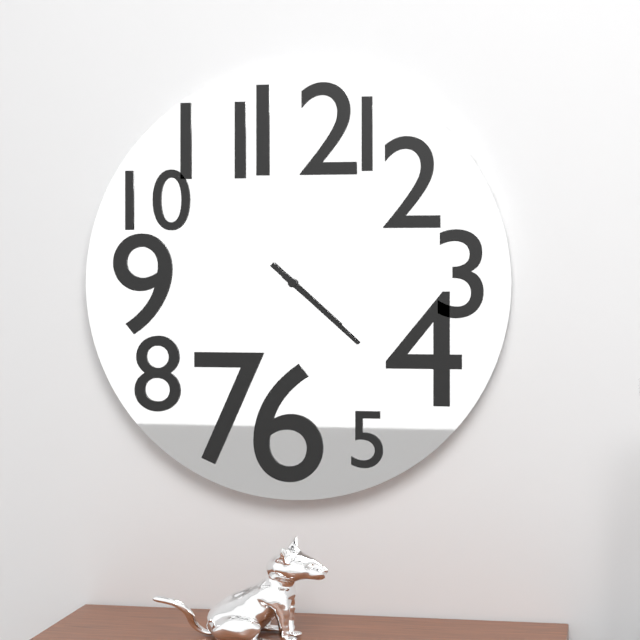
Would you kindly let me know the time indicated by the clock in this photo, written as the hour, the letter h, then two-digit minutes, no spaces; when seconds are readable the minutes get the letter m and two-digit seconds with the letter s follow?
4h22
